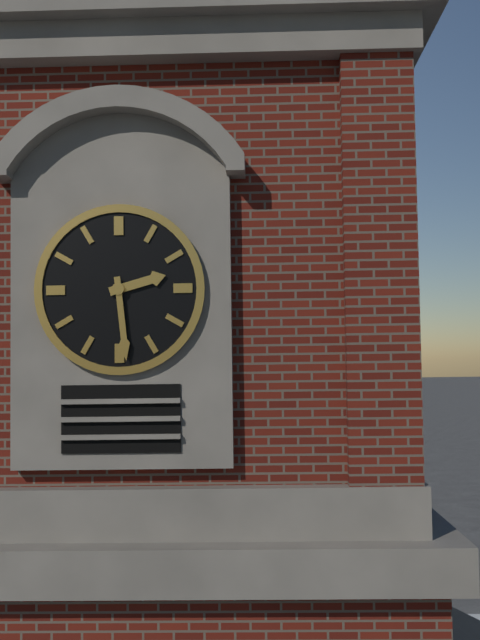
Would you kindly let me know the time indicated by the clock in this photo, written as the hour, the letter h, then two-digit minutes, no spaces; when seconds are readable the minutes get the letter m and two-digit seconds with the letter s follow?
2h29
